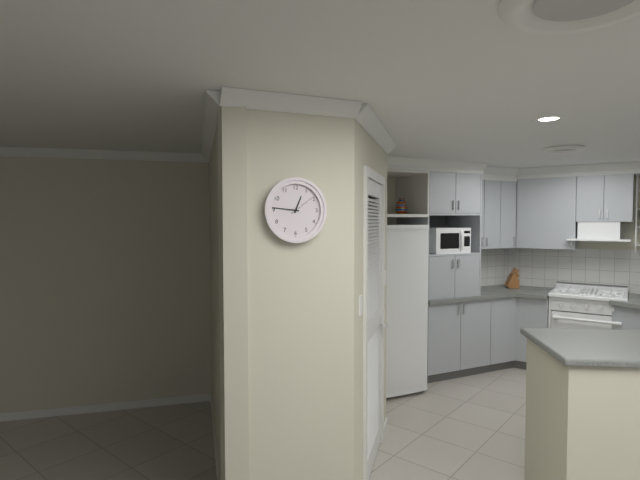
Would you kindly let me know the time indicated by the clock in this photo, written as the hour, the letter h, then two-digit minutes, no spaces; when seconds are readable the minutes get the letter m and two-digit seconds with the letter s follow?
12h46
